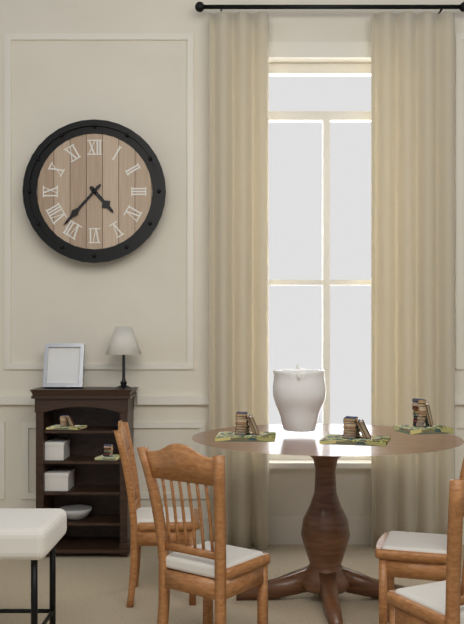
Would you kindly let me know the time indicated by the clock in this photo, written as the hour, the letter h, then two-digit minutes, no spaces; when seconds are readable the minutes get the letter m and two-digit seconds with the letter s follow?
4h37
